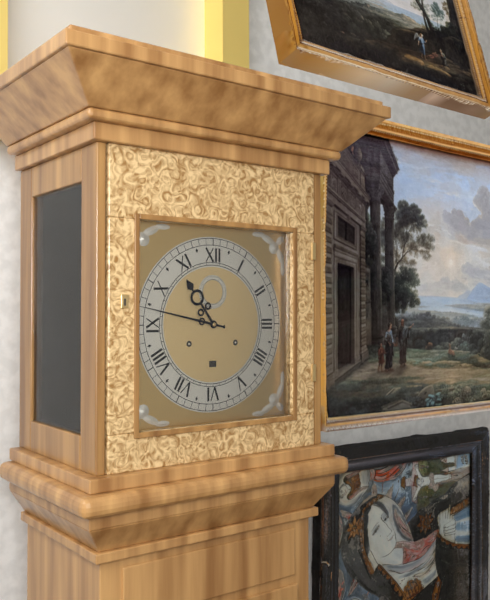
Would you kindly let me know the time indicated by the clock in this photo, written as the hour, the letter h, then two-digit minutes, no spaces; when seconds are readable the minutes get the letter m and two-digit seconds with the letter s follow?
10h47
